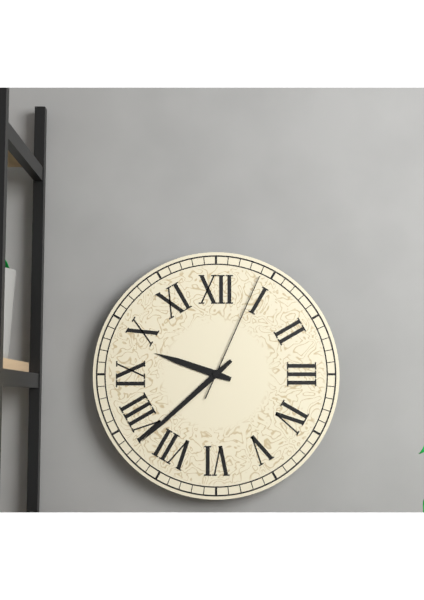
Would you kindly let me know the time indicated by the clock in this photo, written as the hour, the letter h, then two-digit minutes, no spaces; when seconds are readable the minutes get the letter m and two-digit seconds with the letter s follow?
9h38m04s
